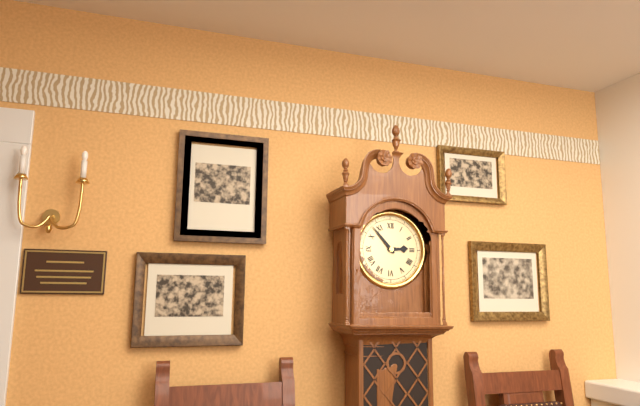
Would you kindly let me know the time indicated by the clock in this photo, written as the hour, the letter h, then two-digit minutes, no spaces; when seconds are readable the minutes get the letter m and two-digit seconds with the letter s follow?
2h53
